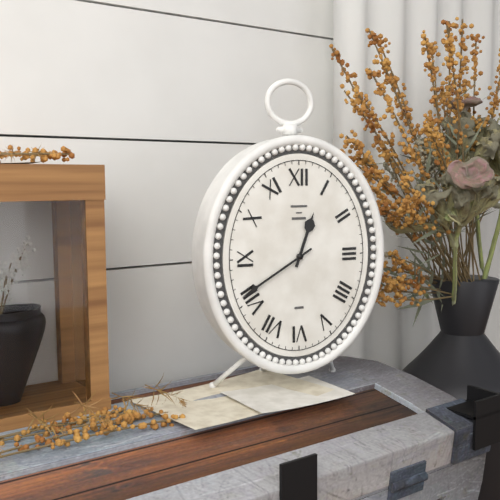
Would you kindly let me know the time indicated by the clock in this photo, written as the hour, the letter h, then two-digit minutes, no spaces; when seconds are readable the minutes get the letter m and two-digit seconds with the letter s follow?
12h40
